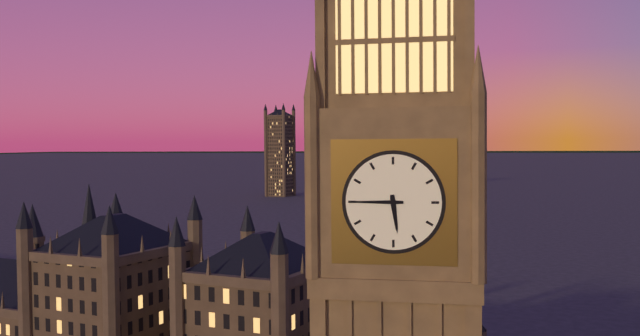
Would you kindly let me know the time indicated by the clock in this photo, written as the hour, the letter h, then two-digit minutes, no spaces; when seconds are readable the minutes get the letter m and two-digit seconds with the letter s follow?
5h45
